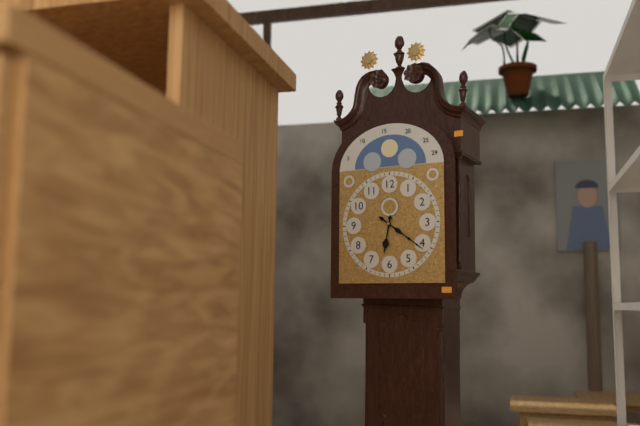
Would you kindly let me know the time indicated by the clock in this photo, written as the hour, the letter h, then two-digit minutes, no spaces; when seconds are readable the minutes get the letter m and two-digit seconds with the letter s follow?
6h21
